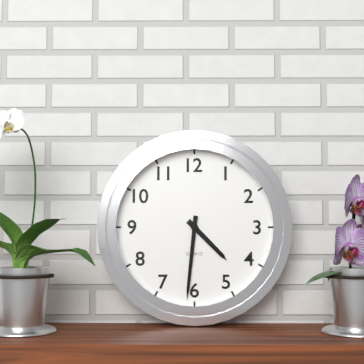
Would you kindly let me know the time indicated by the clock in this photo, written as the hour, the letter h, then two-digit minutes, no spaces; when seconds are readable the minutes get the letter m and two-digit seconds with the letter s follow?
4h31
